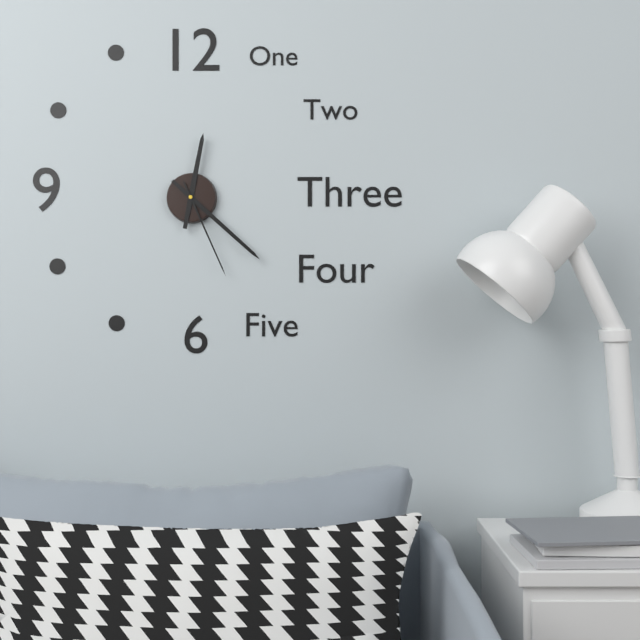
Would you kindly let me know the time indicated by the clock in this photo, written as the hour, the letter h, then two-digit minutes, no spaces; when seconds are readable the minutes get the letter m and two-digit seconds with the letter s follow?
12h22m26s
